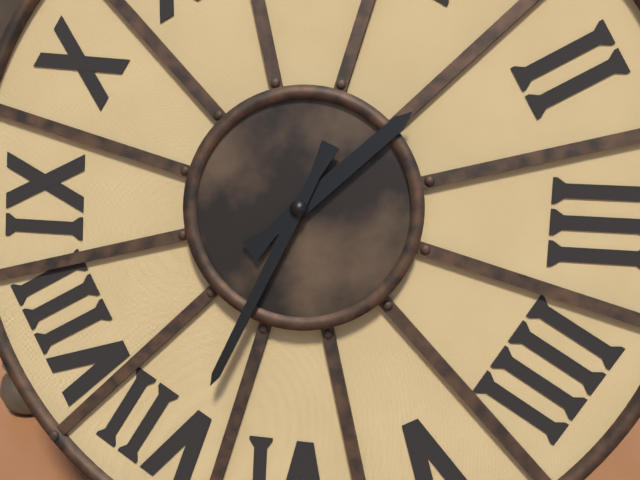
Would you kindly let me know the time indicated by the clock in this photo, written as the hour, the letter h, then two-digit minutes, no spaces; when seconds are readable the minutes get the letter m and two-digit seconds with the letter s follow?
1h34
